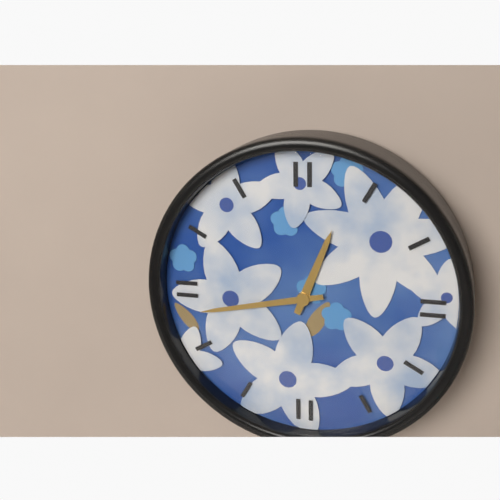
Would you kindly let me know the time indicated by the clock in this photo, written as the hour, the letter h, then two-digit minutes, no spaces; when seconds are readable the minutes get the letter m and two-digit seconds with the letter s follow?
12h43
